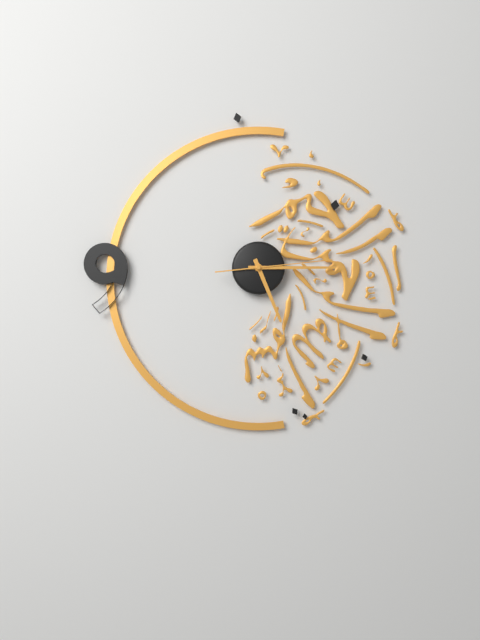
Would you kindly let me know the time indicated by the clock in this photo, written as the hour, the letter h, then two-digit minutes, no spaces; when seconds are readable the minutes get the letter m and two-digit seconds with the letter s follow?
5h15m14s
